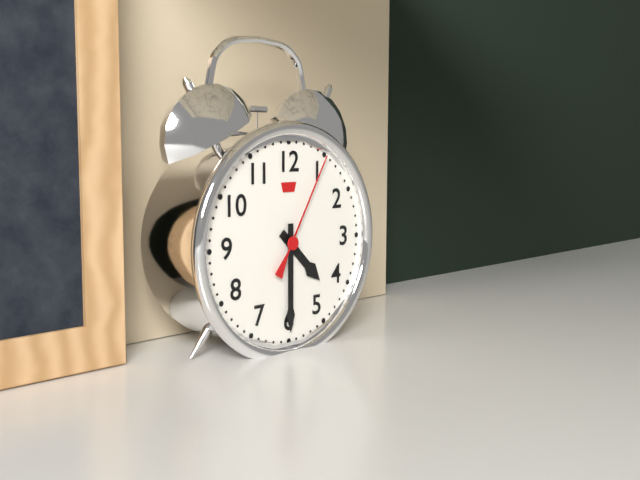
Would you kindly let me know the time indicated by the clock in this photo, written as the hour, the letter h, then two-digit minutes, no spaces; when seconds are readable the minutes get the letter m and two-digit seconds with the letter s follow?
4h30m05s
